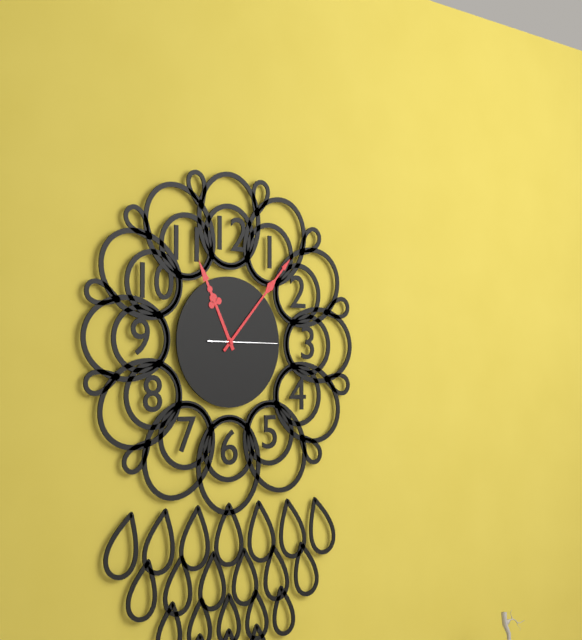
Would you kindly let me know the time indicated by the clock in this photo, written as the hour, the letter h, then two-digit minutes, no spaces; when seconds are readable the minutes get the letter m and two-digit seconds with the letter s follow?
11h07m15s
